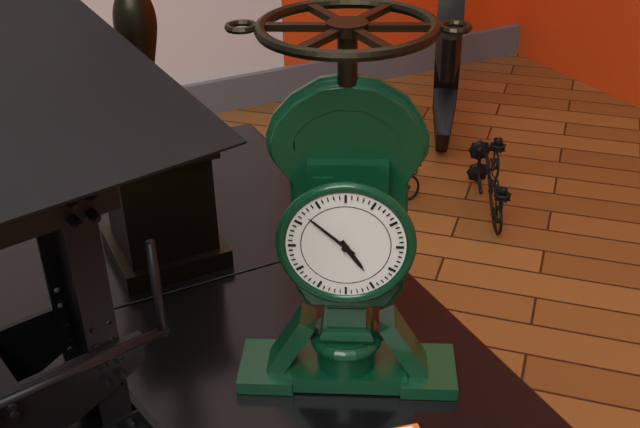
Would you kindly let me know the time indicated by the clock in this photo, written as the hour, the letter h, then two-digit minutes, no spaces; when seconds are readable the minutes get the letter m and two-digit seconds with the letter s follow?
4h52
